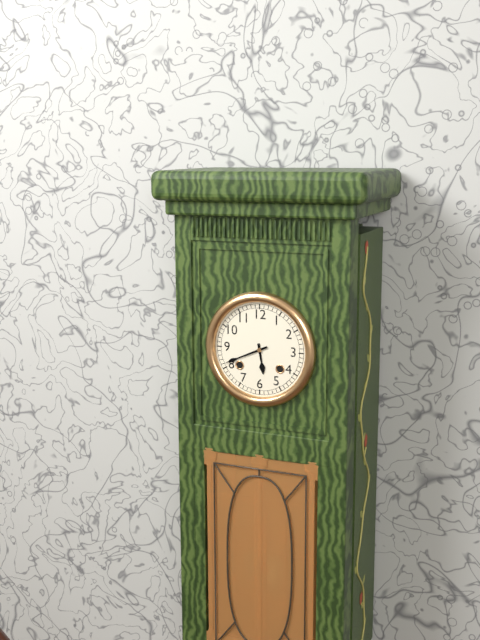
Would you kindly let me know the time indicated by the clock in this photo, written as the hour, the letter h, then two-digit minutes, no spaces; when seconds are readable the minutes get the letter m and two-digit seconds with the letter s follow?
5h41
